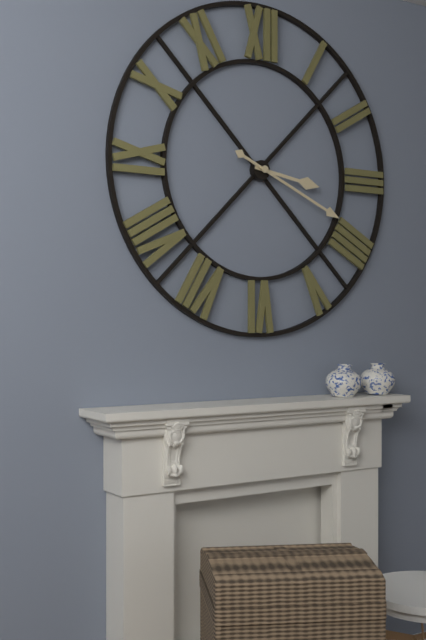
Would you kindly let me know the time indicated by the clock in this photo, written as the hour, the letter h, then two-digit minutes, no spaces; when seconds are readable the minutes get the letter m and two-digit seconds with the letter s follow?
3h19
